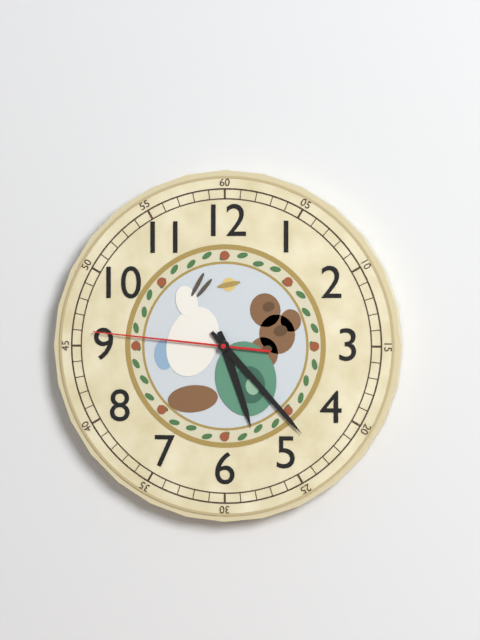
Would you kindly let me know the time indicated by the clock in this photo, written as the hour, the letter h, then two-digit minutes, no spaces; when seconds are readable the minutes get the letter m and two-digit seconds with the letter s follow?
5h23m46s
